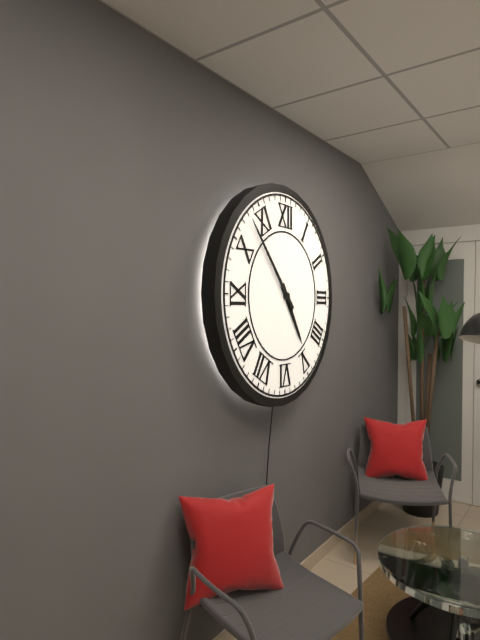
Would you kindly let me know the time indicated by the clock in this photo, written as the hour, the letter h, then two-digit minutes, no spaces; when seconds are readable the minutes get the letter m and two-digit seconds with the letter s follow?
4h53
